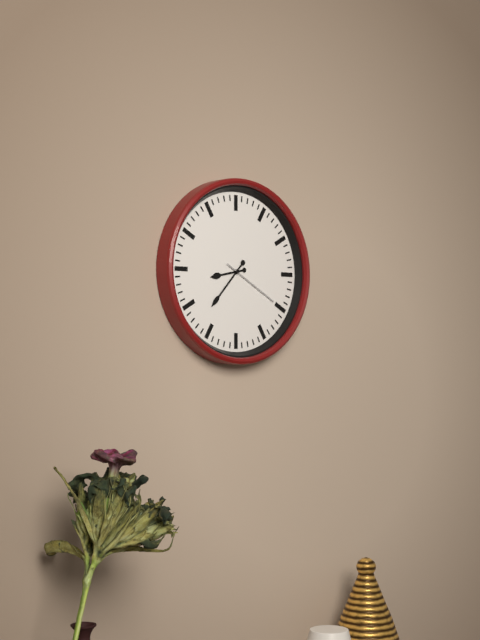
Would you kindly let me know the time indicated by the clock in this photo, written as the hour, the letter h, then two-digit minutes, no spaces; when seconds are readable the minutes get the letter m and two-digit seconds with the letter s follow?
8h37m20s
